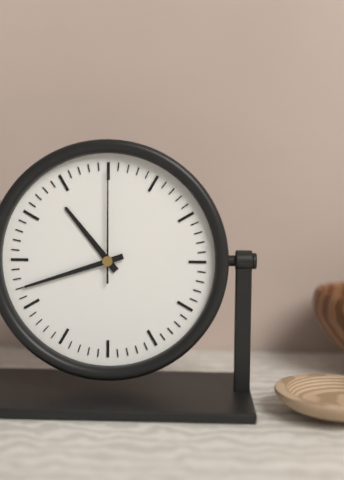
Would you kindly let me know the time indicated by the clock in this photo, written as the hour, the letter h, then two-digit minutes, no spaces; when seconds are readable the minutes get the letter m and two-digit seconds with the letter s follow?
10h42m00s
